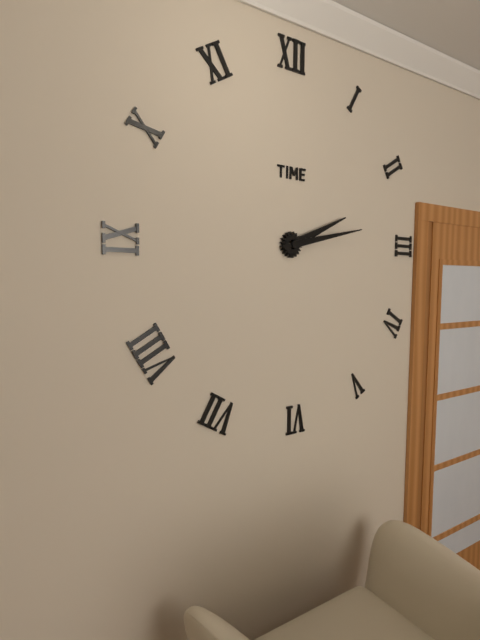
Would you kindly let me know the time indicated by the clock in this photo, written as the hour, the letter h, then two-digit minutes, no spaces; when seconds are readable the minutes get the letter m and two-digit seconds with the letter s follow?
2h13
